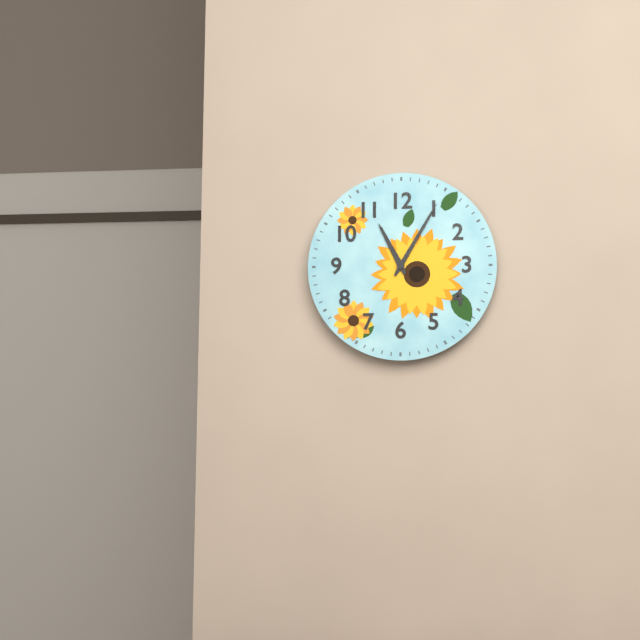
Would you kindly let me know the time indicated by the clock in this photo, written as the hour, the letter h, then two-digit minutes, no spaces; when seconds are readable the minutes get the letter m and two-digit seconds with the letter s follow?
11h05
